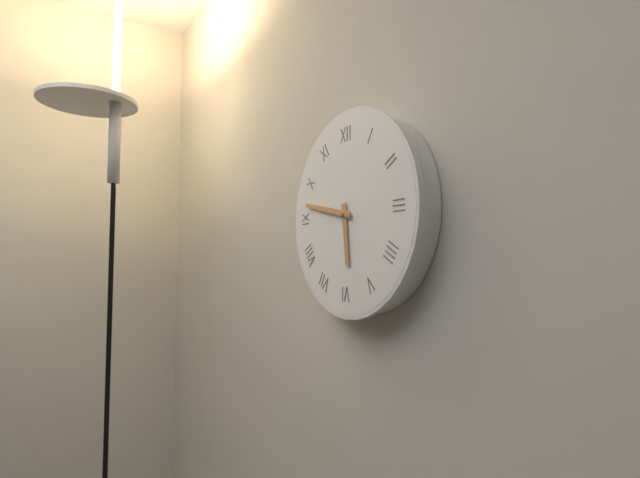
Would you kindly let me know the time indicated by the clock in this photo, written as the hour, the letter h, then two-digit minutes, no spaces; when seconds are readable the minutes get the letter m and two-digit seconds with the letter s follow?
5h47
